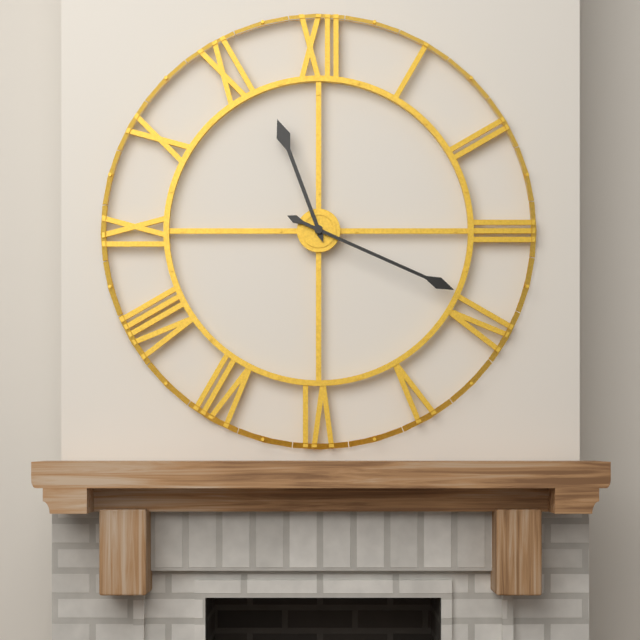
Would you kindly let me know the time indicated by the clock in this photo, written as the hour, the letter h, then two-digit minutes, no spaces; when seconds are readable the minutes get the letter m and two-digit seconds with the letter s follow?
11h19
